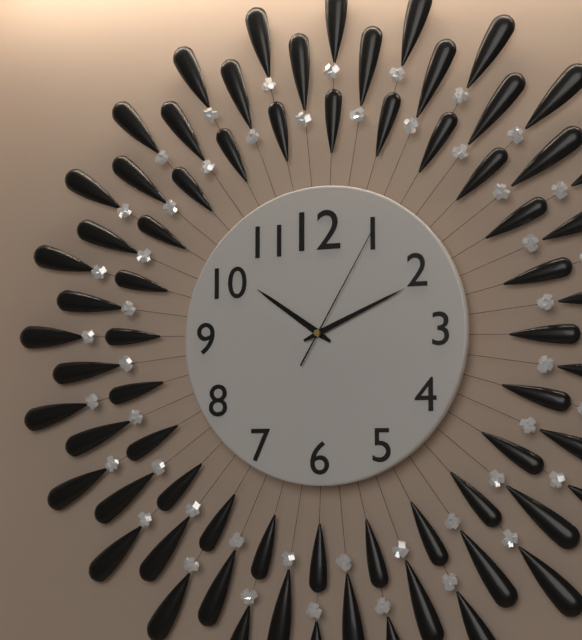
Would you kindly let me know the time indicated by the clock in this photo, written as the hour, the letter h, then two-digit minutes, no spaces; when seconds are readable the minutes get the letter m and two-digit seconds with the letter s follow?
10h11m05s
